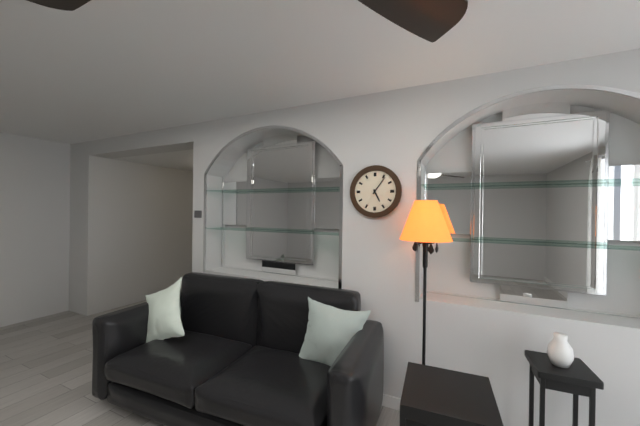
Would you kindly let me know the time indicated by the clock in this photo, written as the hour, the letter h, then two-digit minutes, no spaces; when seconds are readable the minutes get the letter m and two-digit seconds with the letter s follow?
5h06
